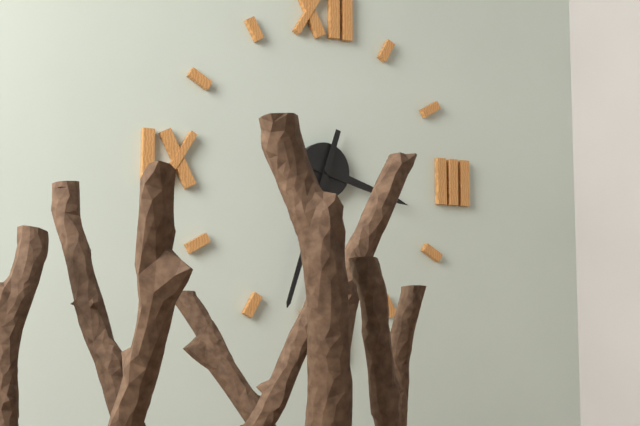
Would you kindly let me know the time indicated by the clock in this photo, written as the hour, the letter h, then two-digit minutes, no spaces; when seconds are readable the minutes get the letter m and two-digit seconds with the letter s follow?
3h33
